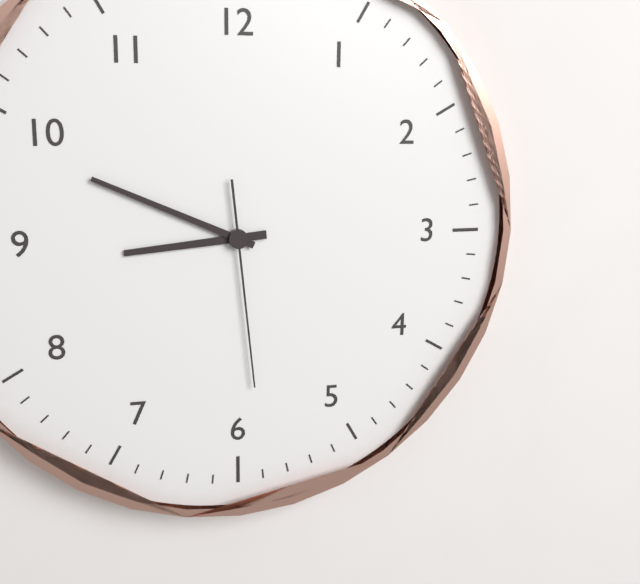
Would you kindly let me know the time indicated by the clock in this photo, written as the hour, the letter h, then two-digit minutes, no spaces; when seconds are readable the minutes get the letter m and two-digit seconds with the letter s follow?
8h49m29s
